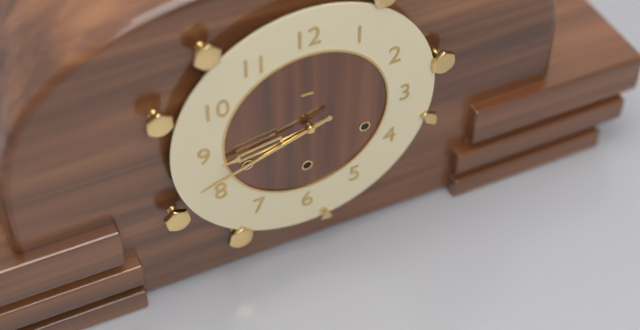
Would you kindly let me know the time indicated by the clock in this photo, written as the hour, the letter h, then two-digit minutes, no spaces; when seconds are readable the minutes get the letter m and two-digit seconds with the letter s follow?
8h42
